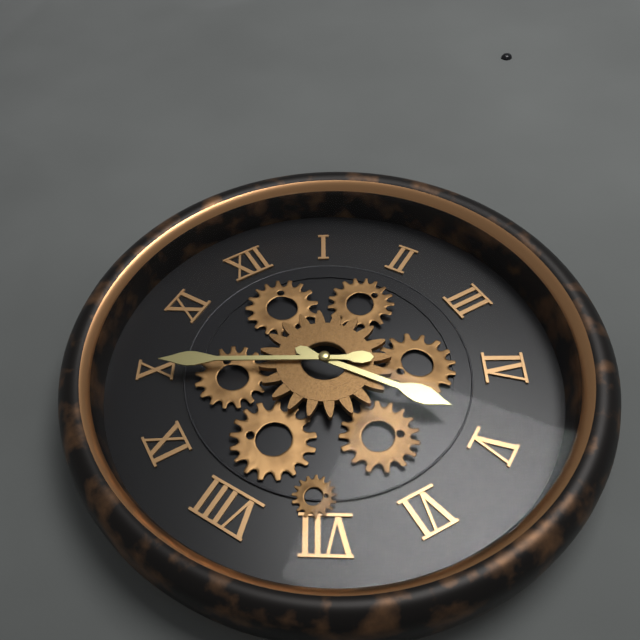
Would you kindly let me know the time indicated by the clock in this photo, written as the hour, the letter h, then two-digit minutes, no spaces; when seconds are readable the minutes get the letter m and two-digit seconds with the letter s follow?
4h50
